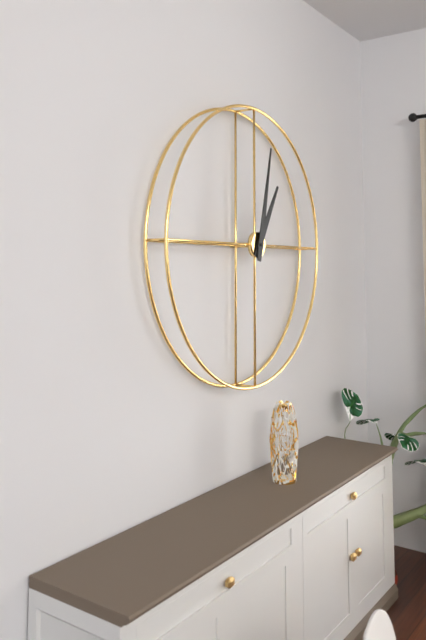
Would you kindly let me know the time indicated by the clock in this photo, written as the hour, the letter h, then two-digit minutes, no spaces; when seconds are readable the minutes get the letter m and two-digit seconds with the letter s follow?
1h02
